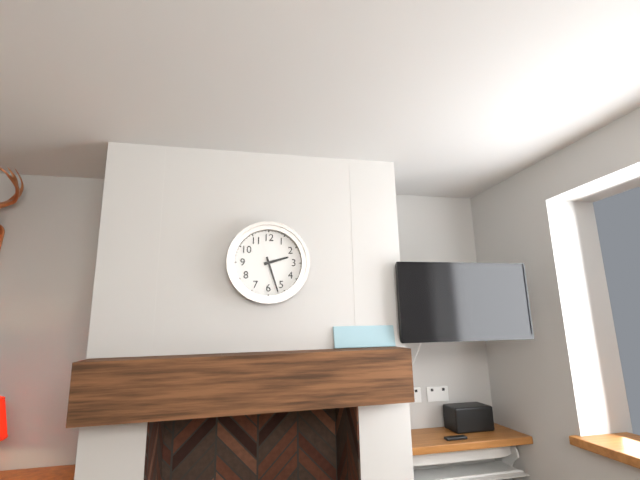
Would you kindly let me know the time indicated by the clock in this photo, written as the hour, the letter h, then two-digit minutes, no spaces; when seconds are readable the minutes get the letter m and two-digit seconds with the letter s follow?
2h27
